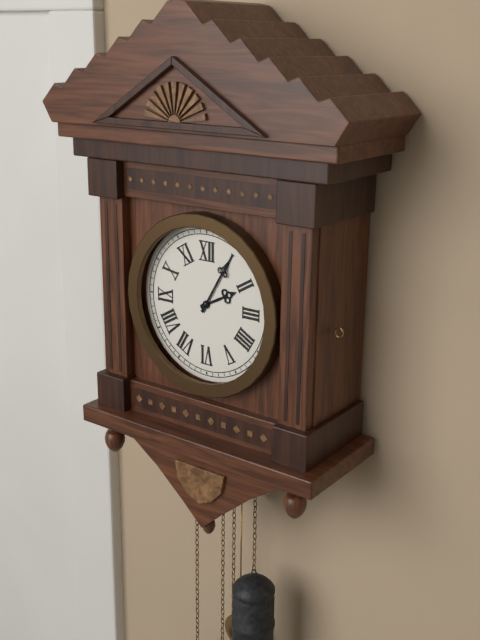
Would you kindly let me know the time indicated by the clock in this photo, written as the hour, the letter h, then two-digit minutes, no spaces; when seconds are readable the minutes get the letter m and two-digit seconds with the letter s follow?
2h05
